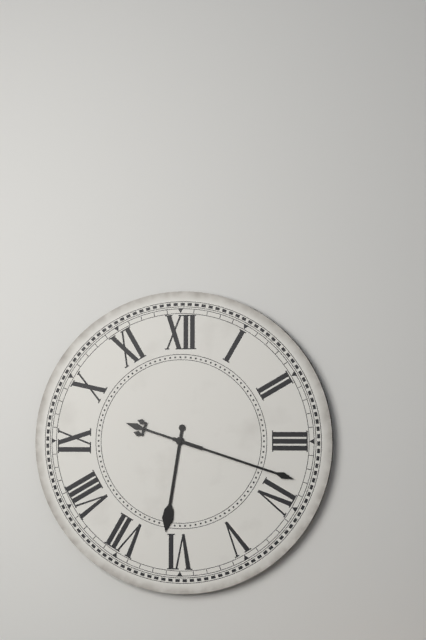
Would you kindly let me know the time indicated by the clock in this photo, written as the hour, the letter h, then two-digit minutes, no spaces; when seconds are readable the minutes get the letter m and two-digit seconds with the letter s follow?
6h18
